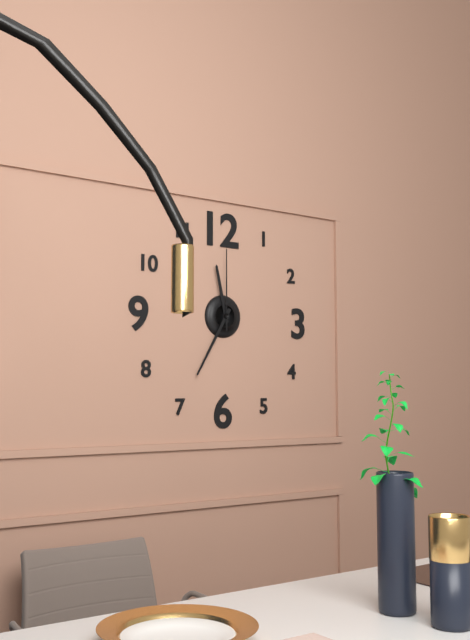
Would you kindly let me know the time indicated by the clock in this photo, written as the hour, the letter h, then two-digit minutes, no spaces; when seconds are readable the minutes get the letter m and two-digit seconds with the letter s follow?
11h35m00s
